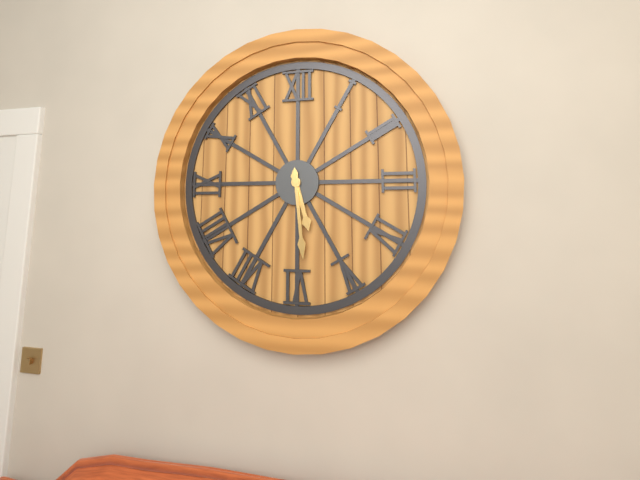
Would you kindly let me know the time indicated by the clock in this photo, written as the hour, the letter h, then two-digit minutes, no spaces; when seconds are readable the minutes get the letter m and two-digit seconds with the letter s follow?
5h29
